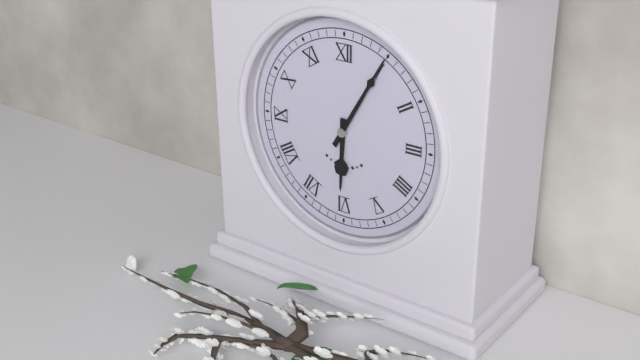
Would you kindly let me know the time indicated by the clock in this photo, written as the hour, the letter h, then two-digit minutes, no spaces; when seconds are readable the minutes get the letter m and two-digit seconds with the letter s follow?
6h05
